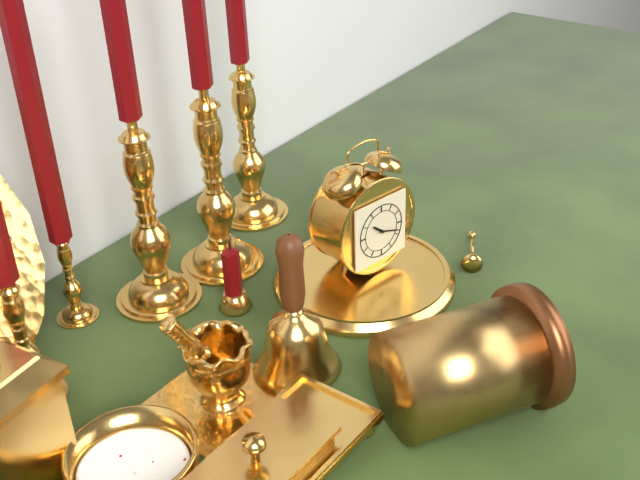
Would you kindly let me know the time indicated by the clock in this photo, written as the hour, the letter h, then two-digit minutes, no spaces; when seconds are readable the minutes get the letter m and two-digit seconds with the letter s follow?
10h18
